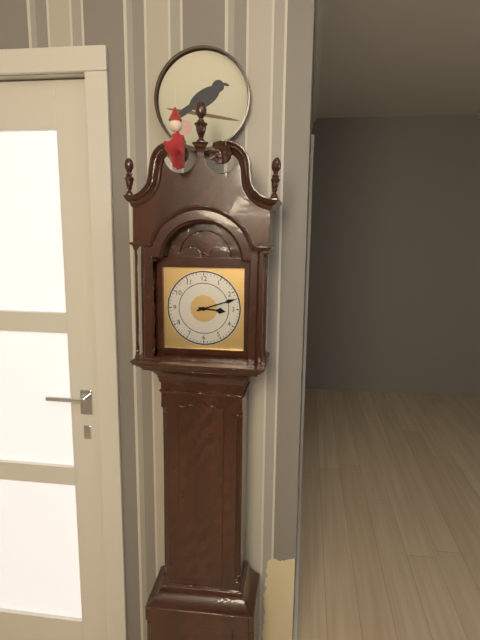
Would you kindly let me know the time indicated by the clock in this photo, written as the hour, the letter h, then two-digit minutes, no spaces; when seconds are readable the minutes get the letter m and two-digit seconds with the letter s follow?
3h12
